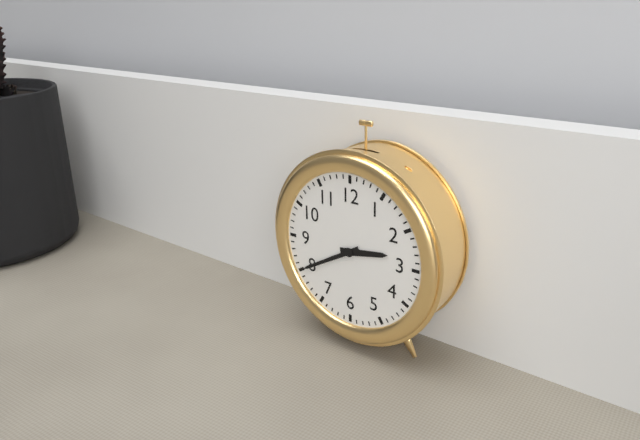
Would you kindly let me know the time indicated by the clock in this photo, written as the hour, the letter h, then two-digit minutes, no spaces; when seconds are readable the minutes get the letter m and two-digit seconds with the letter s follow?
2h40
